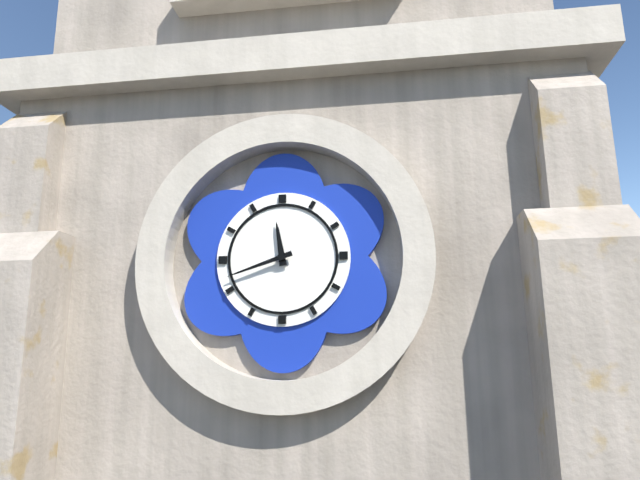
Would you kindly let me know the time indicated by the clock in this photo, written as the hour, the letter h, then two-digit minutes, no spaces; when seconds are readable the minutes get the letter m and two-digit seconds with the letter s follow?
11h42
